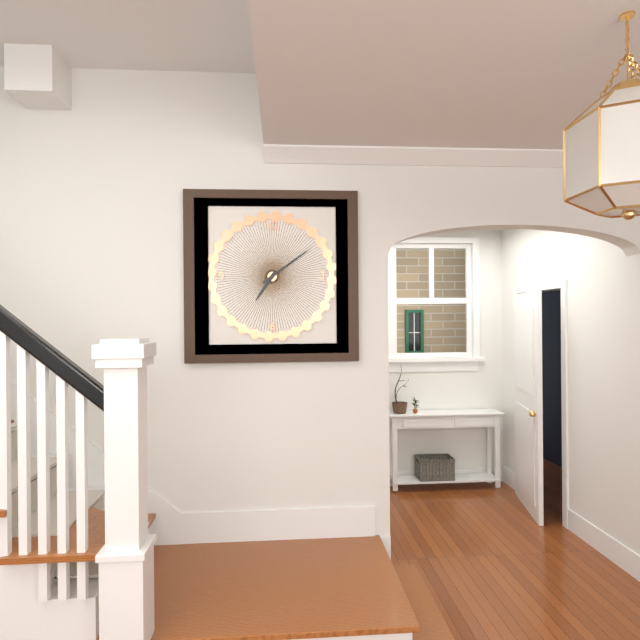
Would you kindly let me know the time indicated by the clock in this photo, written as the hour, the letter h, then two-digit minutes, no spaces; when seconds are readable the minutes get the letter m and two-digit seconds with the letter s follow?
7h09
